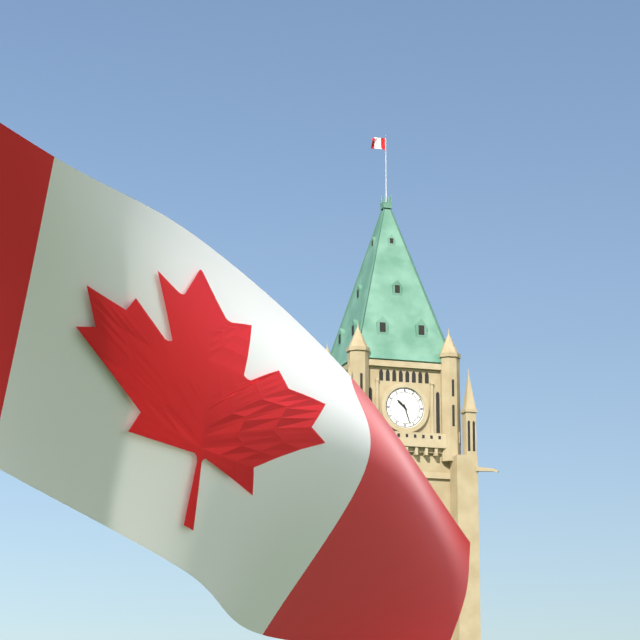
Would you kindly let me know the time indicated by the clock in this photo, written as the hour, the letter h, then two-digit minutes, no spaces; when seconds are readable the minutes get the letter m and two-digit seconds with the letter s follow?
10h27
